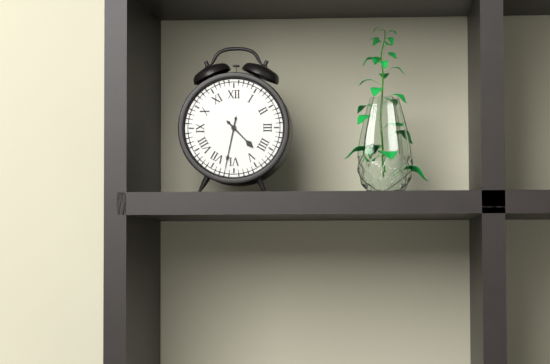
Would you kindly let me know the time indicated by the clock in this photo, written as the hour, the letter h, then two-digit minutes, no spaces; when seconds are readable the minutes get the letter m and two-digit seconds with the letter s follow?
4h32
